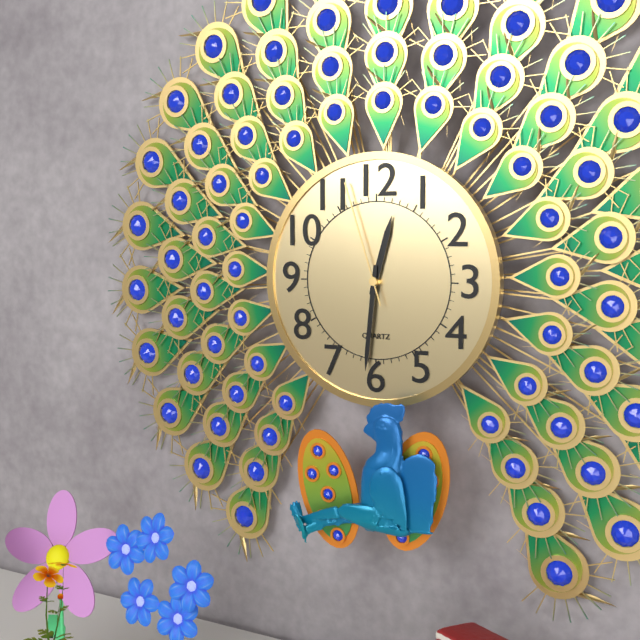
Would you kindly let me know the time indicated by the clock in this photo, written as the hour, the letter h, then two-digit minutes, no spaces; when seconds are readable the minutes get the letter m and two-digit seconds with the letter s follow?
12h31m57s
